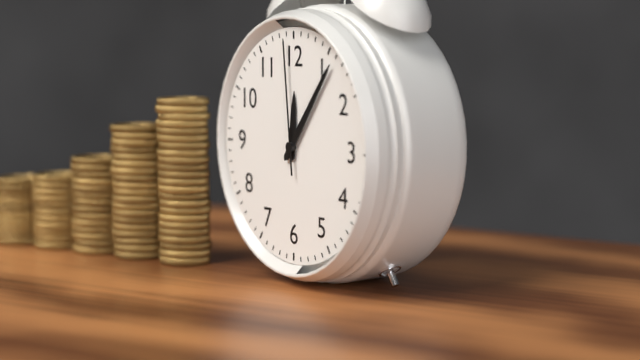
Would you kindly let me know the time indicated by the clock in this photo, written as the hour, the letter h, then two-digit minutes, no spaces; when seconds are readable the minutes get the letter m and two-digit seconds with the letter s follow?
12h06m59s
